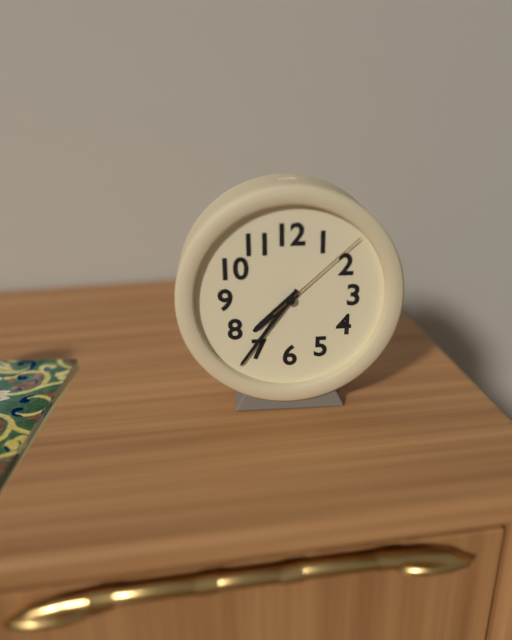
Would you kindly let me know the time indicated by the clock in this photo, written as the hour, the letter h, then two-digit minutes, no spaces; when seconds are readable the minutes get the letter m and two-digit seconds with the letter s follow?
7h36m08s
